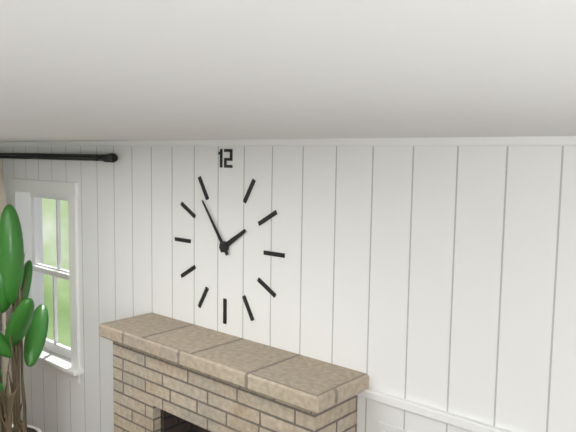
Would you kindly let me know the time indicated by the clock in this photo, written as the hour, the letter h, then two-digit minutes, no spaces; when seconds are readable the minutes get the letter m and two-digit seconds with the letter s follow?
1h54
